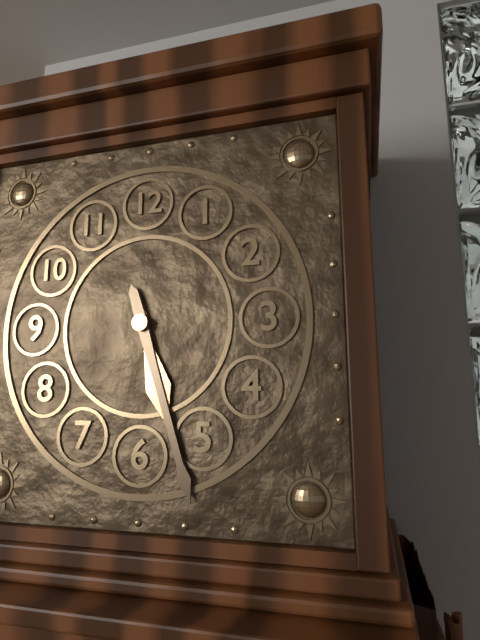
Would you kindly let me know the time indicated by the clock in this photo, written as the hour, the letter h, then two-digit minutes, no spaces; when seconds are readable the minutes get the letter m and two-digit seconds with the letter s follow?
5h27
